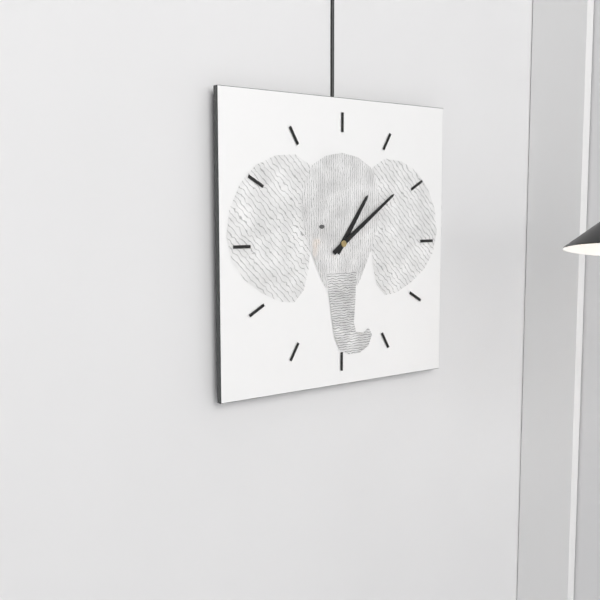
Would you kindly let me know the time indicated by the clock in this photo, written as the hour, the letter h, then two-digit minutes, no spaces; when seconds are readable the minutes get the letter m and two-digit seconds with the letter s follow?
1h09
